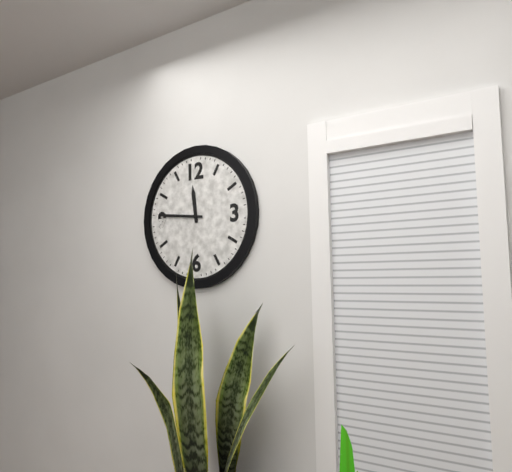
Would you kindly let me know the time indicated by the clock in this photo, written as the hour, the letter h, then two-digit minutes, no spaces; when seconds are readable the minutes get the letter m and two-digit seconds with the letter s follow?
11h46
